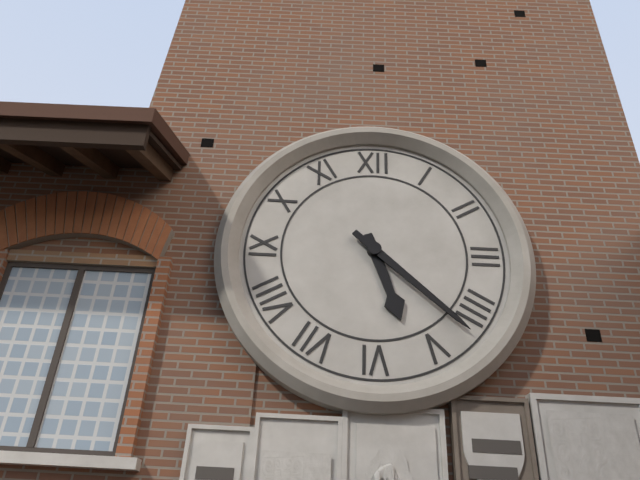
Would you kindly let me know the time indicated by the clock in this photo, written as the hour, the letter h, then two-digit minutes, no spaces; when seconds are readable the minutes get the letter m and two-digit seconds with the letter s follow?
5h22
